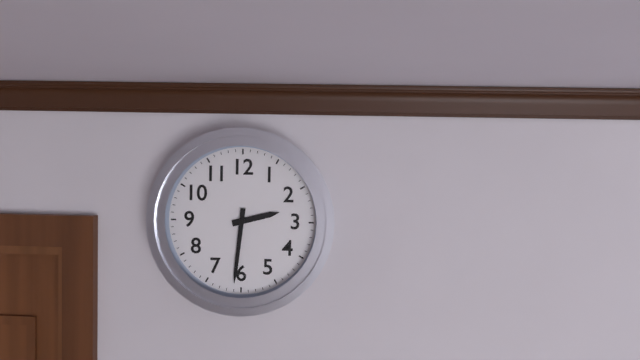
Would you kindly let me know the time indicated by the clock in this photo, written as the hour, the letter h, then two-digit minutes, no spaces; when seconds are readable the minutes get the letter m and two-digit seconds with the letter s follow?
2h31
